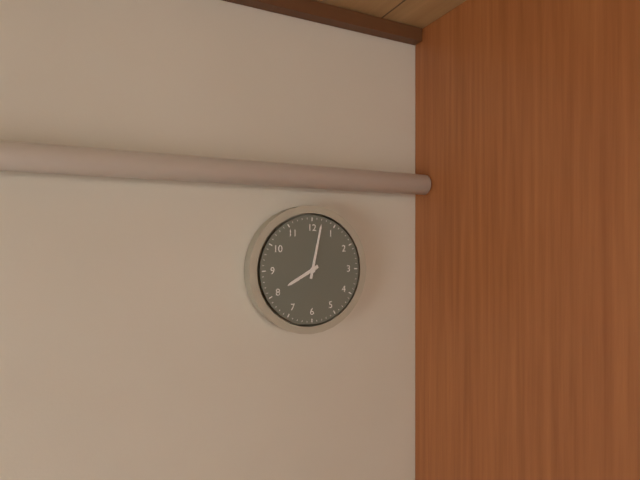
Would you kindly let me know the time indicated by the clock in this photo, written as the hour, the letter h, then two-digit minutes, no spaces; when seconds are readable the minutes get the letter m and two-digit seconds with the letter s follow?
8h02
